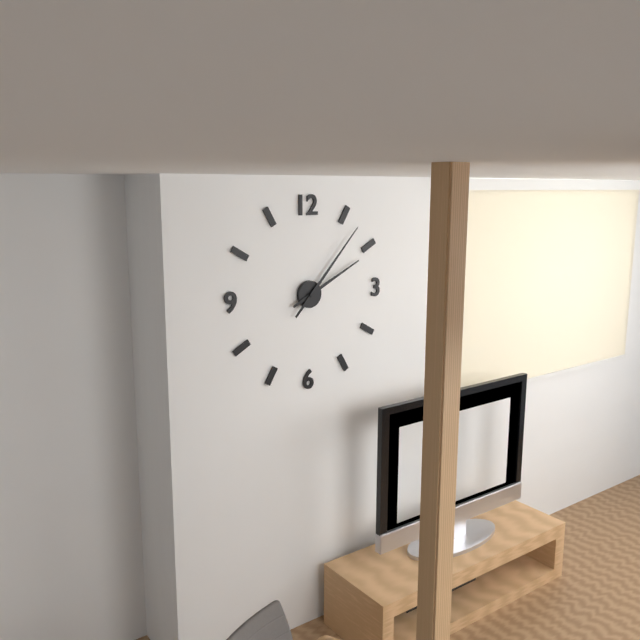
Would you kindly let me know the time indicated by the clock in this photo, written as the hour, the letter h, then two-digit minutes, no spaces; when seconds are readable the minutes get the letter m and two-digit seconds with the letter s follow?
2h07
